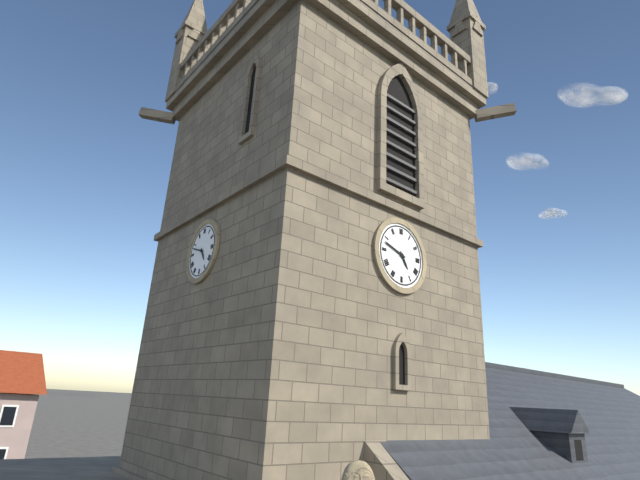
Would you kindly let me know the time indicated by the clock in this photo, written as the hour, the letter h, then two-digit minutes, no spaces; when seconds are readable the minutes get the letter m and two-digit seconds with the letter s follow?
4h48
